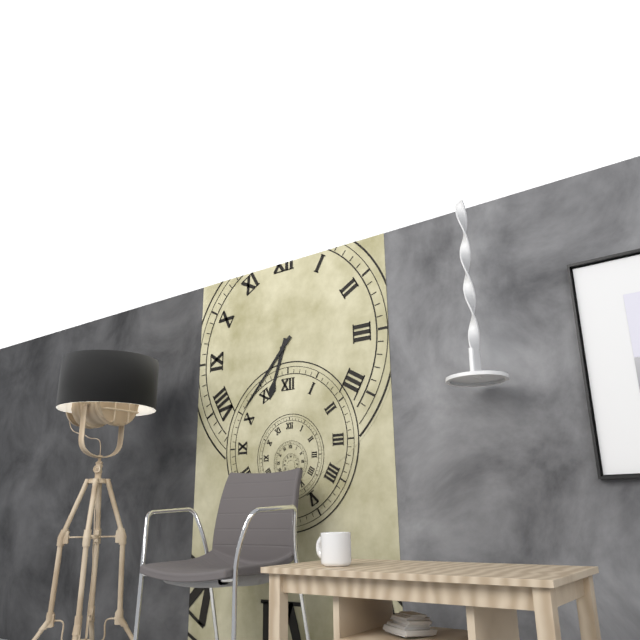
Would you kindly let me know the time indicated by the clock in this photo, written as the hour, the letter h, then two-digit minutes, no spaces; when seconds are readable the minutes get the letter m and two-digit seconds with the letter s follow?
6h37
